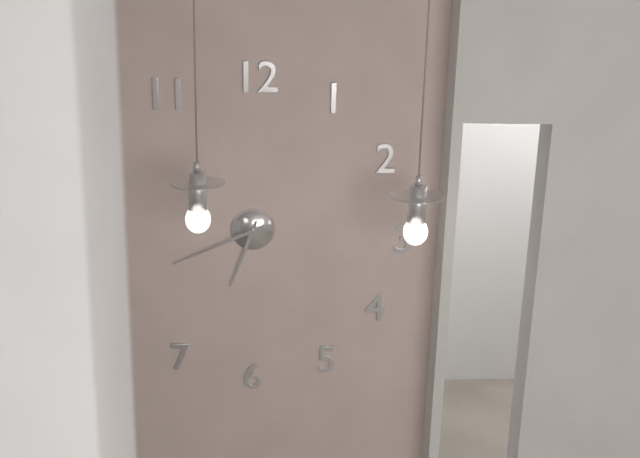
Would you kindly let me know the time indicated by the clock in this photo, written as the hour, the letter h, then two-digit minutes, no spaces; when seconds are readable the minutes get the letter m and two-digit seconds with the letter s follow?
6h41
